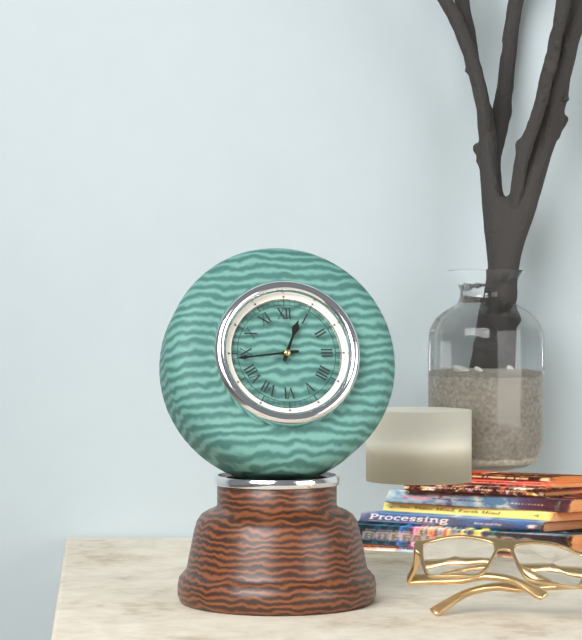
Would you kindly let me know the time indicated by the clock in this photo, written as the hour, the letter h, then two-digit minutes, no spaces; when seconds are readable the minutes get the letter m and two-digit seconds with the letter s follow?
12h44
